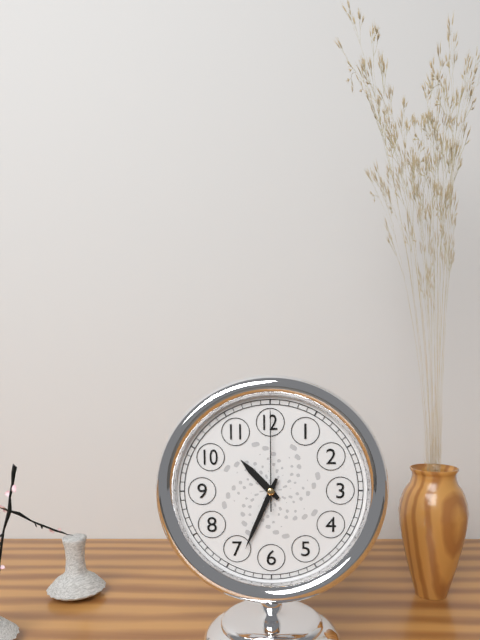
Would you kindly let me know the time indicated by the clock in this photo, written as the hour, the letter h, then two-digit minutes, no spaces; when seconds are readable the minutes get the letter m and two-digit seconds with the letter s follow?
10h34m00s
